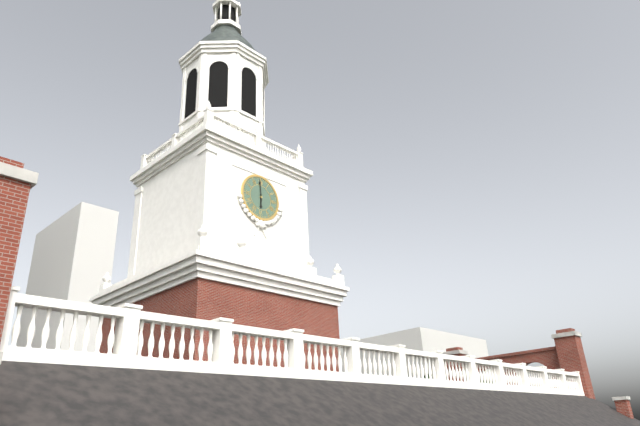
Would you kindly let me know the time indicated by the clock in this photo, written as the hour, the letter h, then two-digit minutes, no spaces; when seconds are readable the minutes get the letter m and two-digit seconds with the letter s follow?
5h59
